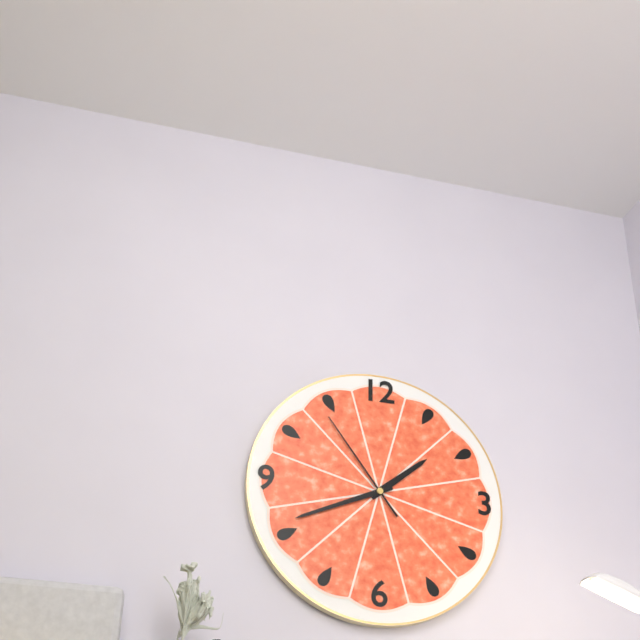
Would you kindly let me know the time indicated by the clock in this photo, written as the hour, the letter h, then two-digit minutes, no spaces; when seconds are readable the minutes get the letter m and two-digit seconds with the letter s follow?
1h41m54s
